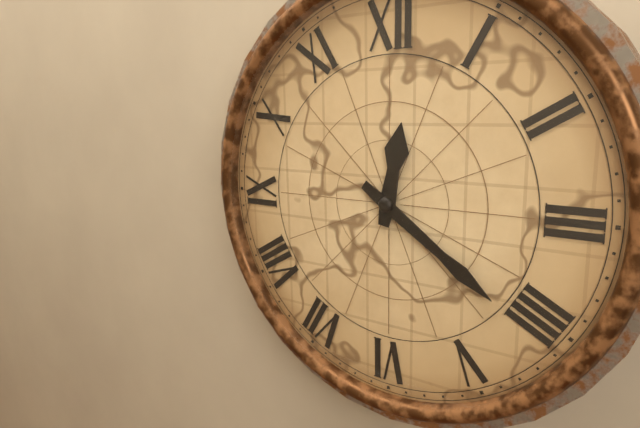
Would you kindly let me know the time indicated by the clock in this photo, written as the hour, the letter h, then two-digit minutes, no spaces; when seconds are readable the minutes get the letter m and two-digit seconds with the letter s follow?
12h21
